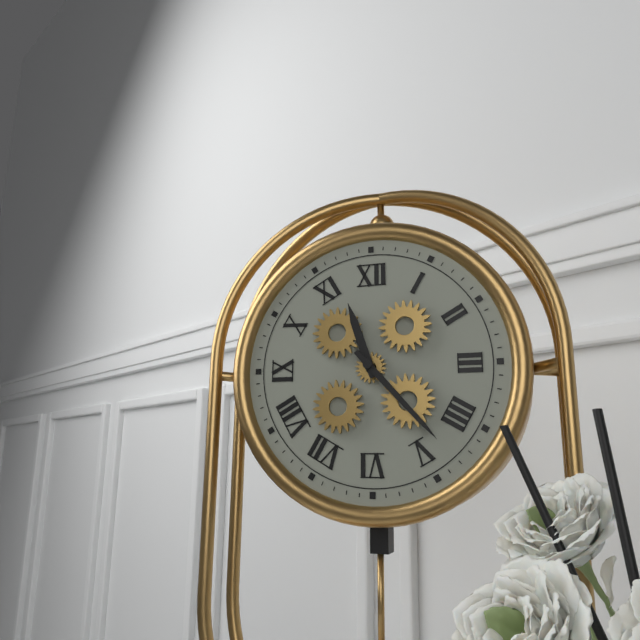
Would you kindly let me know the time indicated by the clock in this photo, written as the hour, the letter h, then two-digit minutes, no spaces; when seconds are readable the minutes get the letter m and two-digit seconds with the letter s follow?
11h23
